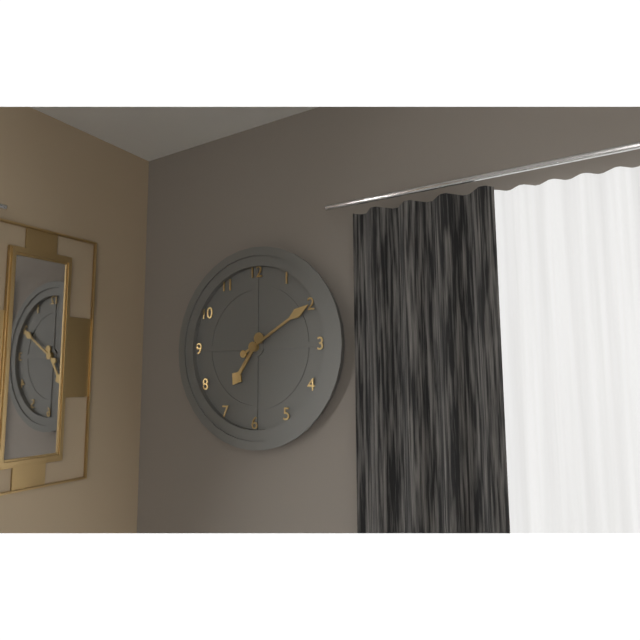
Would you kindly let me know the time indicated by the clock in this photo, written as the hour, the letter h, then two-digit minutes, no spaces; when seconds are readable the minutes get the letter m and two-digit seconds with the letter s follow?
7h10
